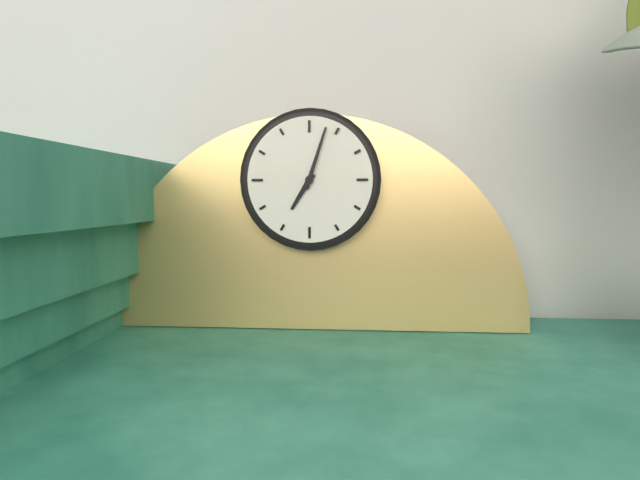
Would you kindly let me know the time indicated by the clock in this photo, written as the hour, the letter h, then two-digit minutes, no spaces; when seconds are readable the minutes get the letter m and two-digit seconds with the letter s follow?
7h03
